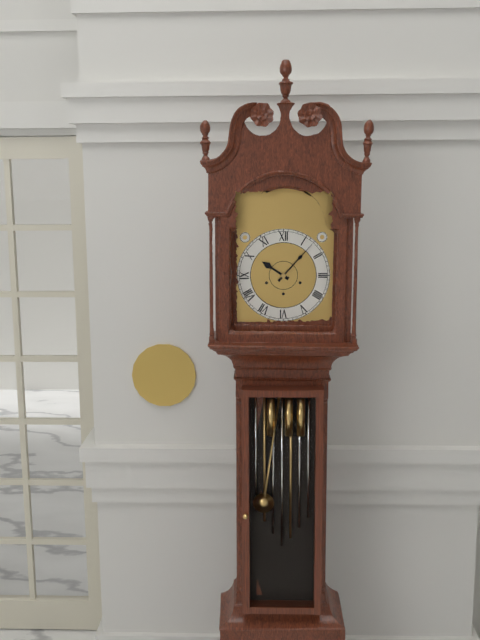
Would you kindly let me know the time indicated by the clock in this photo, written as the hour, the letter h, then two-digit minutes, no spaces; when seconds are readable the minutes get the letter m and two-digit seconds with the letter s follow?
10h07
